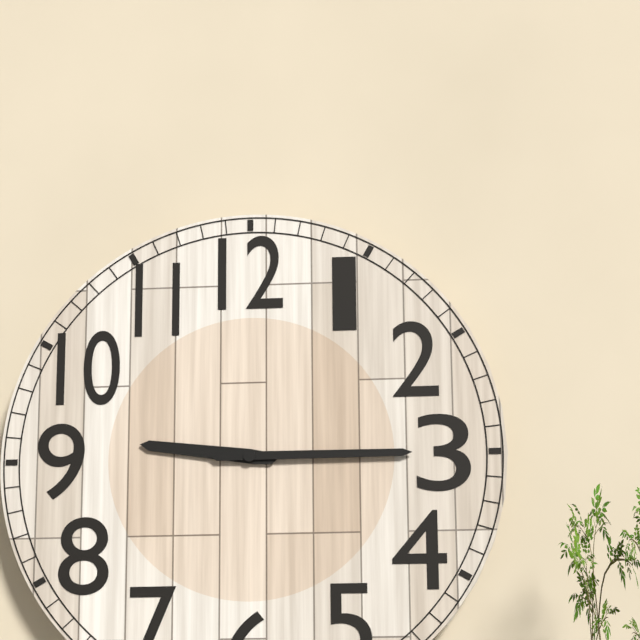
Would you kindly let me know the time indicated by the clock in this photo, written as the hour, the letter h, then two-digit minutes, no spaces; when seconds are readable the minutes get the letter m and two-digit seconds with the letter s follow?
9h15
